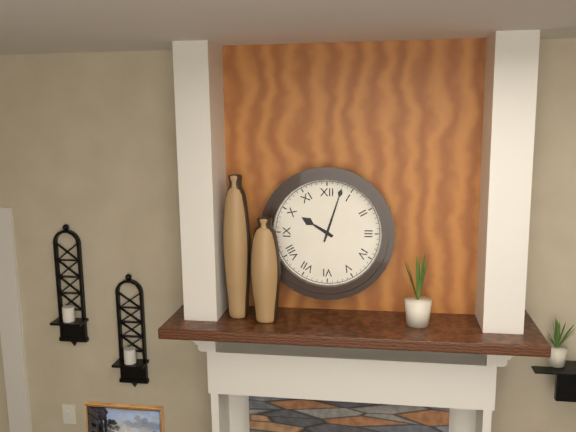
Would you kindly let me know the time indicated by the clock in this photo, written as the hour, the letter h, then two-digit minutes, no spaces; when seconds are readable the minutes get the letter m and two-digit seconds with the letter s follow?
10h03
